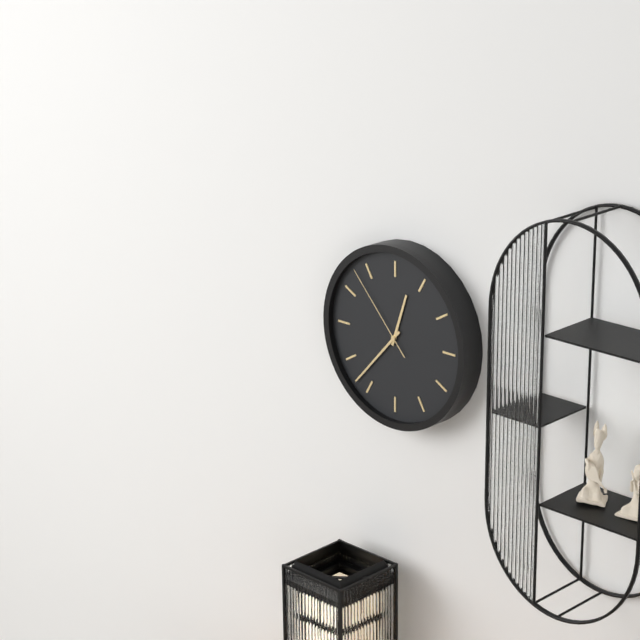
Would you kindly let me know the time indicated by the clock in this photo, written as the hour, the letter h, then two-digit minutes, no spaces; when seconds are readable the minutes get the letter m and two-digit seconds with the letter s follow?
12h37m53s
